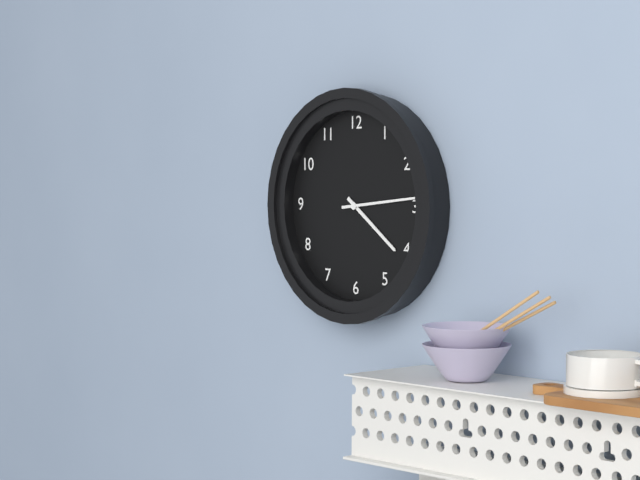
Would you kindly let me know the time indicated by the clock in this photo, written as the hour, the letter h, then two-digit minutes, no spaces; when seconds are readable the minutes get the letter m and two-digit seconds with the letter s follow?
4h14
